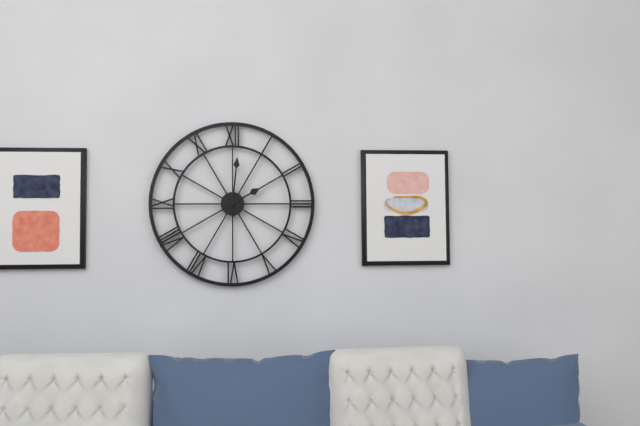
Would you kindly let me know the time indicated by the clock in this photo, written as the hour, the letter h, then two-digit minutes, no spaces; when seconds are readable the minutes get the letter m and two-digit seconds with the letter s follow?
2h01
